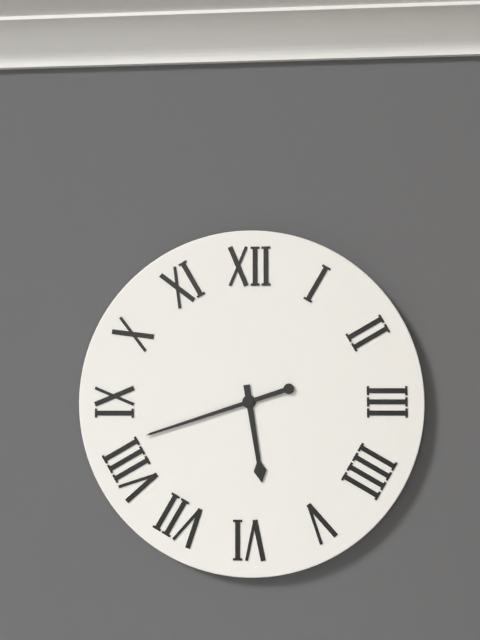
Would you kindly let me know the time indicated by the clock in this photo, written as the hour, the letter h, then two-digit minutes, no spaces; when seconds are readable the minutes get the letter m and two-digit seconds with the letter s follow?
5h42
